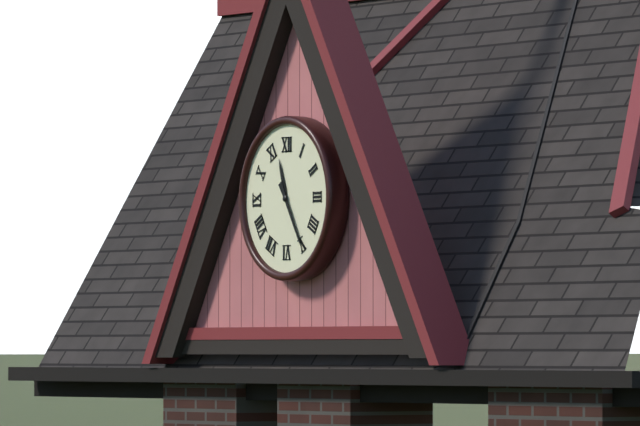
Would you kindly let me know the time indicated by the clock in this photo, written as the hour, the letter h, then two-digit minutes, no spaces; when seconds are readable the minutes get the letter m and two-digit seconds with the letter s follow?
11h25
